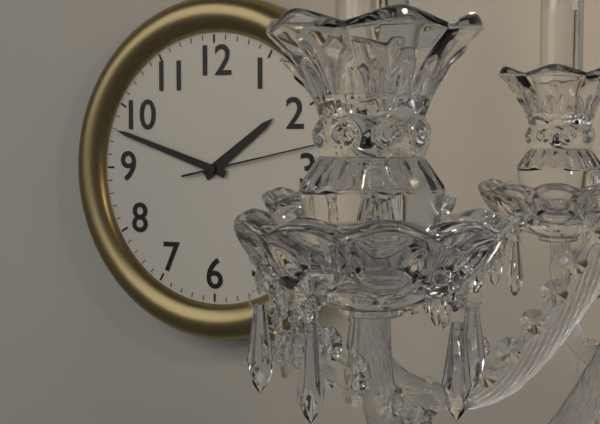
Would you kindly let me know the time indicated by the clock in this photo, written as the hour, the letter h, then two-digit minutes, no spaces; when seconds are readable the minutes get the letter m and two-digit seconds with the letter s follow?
1h48m13s
